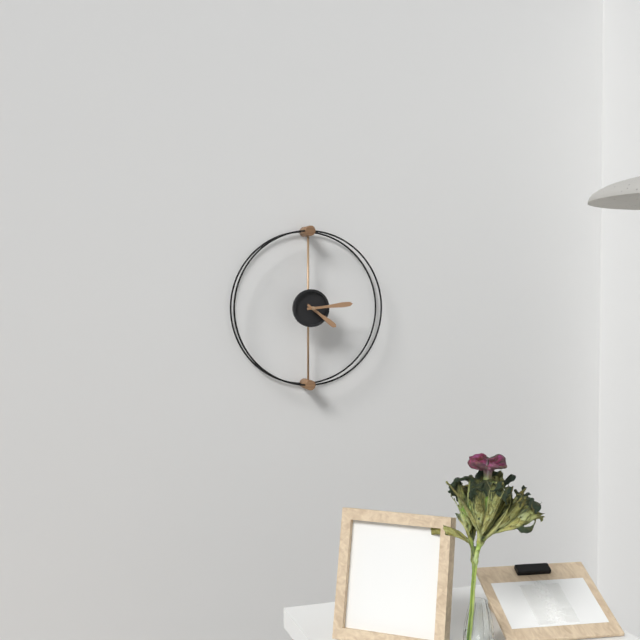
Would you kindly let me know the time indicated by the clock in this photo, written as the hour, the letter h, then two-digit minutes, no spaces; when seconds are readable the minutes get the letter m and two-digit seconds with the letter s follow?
4h14
